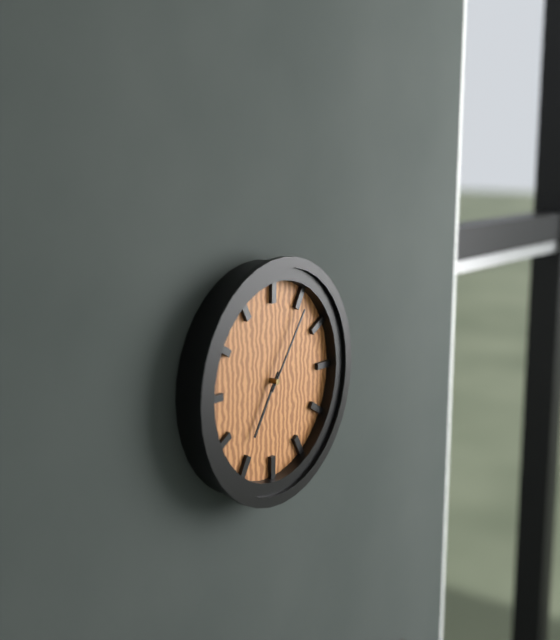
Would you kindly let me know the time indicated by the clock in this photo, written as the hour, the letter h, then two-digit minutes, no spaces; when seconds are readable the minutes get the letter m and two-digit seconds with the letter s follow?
7h06
